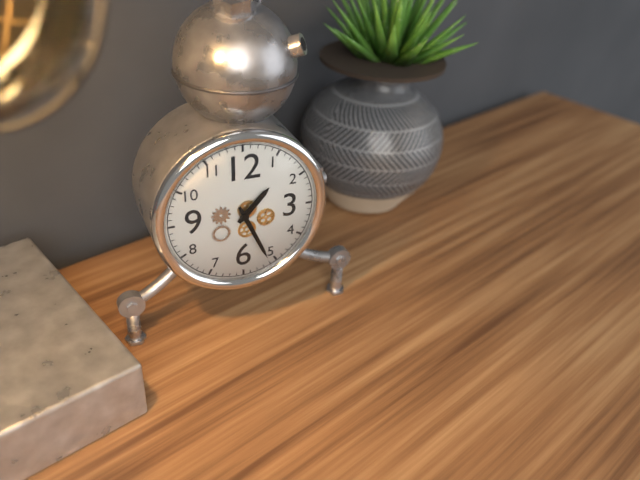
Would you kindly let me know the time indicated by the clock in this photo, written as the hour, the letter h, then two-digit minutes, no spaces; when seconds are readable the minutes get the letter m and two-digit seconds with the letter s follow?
1h26
